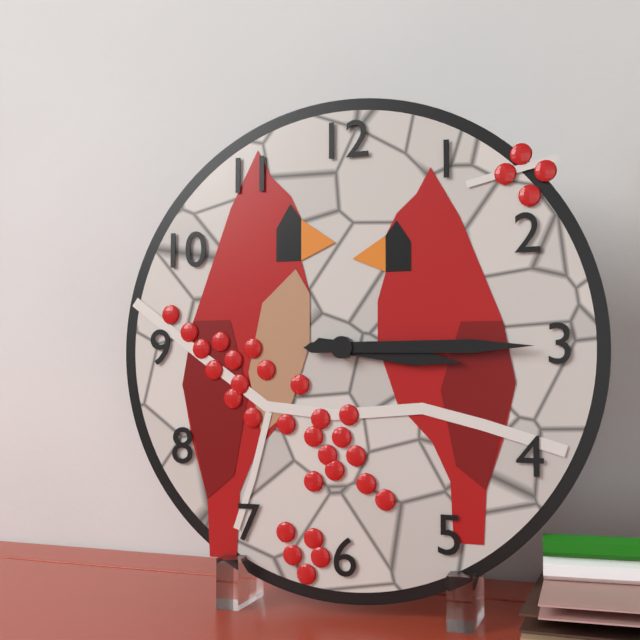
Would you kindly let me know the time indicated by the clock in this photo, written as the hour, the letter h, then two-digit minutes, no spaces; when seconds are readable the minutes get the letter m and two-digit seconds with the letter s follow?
3h15
